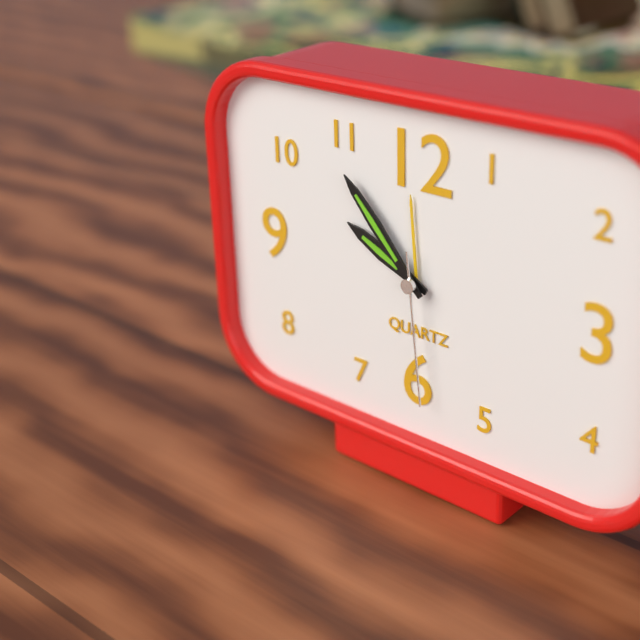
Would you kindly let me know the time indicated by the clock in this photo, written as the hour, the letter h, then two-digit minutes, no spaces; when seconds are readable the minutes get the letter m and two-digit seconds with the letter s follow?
9h53m29s
